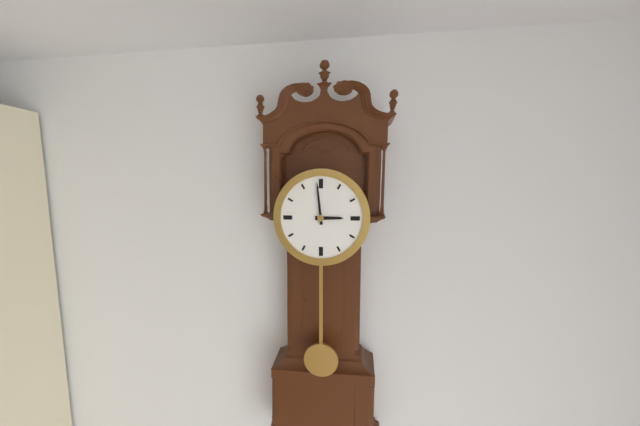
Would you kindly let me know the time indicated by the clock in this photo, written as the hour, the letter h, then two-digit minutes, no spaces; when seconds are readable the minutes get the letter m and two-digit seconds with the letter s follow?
2h59
